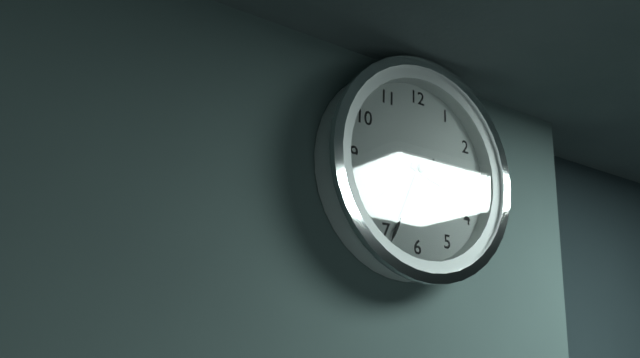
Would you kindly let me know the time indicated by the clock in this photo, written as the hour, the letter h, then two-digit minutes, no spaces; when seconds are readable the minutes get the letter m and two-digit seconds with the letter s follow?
3h34m39s
